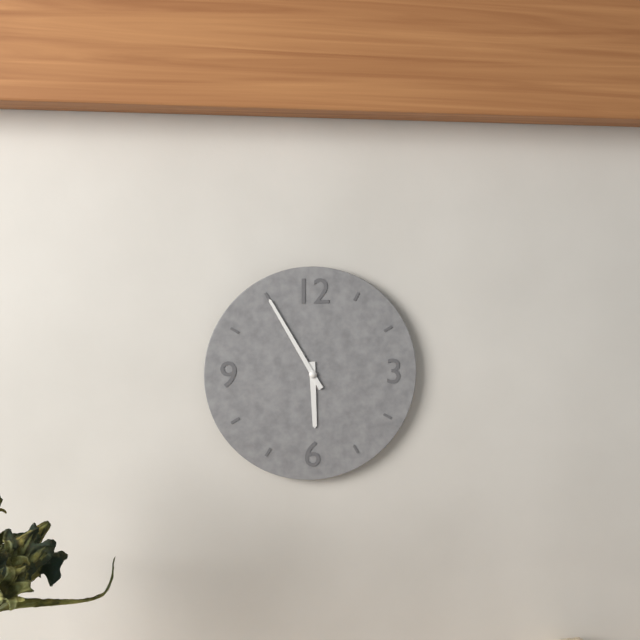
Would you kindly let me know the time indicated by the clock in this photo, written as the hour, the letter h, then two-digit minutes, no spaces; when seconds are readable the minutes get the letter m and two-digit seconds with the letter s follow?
5h55
